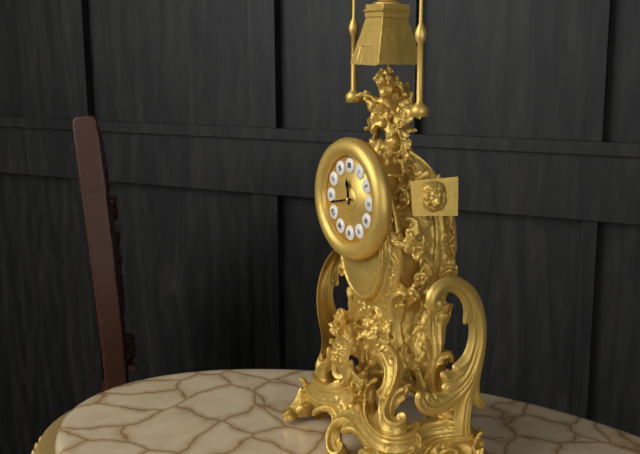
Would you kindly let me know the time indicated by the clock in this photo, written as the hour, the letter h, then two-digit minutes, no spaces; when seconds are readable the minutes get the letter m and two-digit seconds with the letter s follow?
11h43
